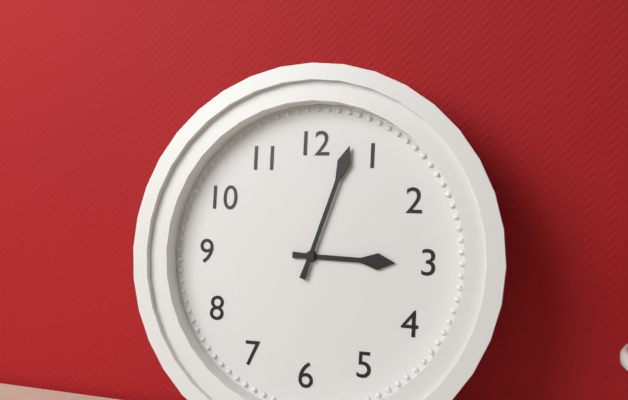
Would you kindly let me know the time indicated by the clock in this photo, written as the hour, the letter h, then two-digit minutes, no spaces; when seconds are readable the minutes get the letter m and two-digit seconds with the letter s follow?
3h03
